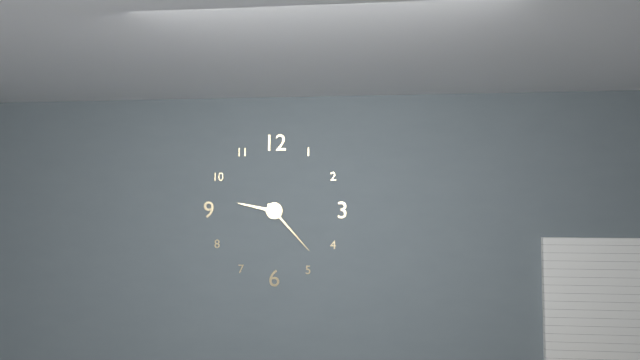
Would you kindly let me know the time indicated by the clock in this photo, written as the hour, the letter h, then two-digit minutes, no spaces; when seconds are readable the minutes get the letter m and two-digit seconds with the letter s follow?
9h23
